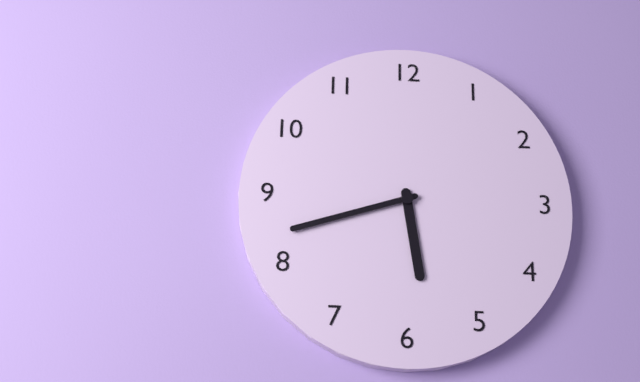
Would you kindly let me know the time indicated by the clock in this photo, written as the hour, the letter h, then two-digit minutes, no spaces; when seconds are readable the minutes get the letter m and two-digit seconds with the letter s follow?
5h42
